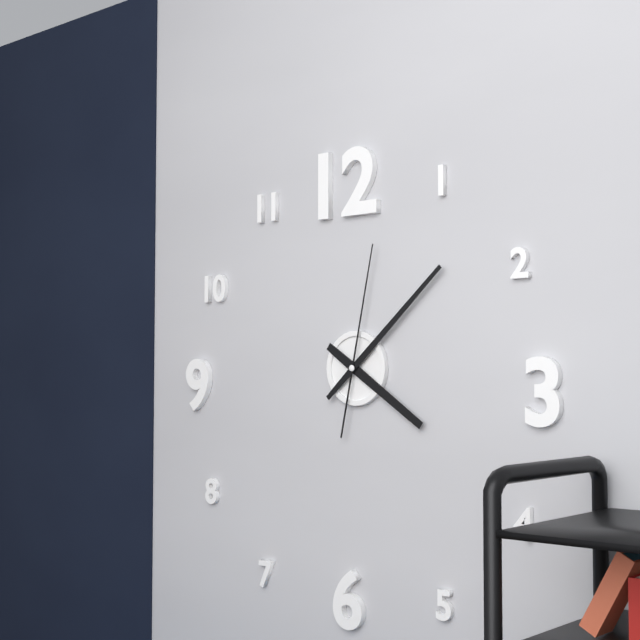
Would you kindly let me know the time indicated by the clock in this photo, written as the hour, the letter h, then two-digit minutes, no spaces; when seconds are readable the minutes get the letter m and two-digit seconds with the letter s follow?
4h08m02s
